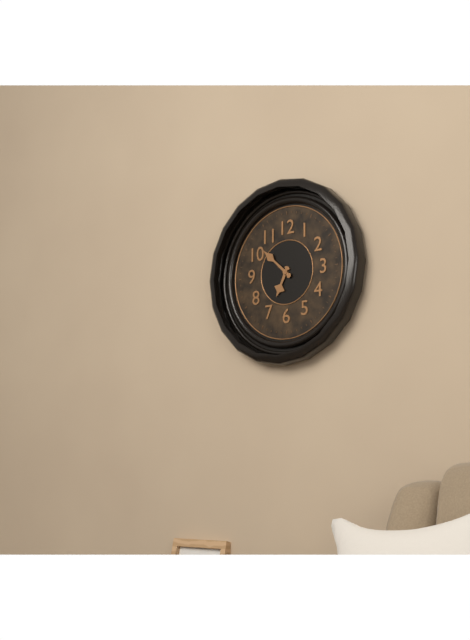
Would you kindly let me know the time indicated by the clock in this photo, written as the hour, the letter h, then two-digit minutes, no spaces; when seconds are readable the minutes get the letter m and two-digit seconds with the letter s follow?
6h52
